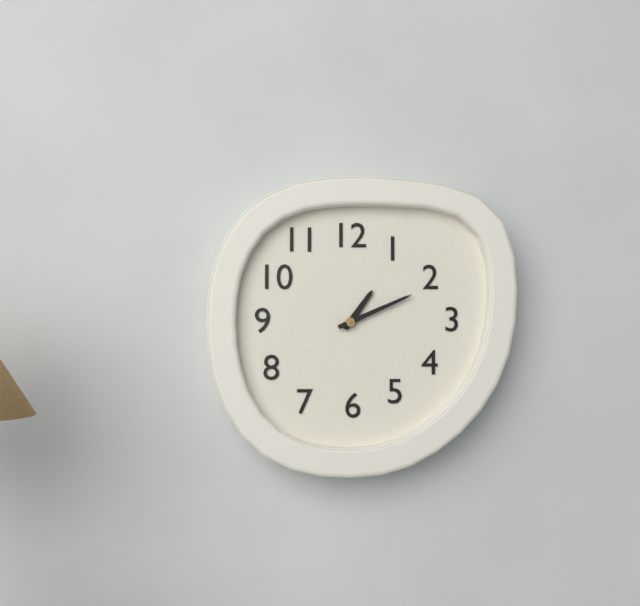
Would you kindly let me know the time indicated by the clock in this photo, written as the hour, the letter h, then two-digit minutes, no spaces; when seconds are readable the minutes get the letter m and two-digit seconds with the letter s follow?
1h11
